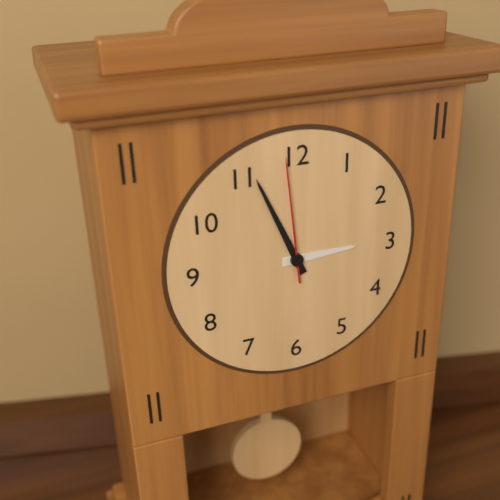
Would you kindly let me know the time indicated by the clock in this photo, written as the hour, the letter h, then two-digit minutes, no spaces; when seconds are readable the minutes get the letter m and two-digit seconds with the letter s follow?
2h56m59s
